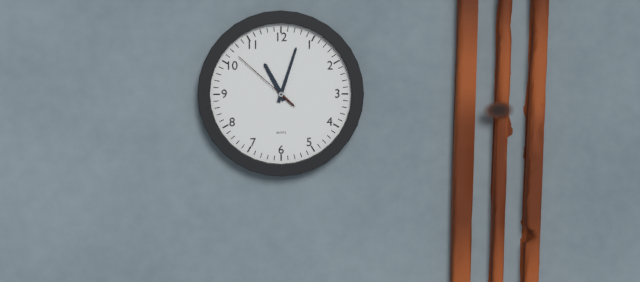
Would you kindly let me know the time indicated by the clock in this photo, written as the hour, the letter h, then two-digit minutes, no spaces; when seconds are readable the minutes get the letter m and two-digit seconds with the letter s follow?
11h03m52s
